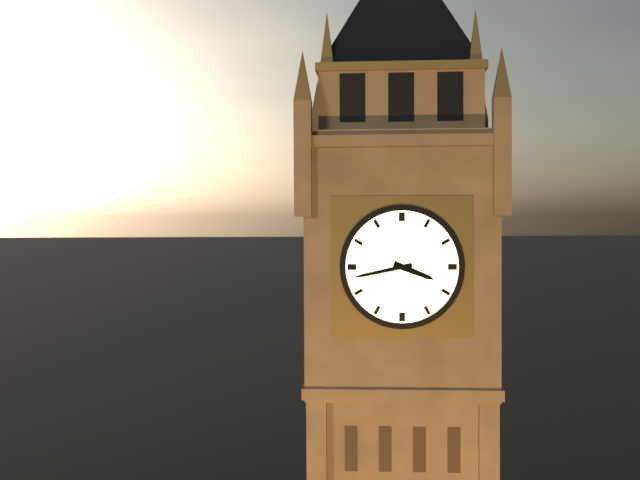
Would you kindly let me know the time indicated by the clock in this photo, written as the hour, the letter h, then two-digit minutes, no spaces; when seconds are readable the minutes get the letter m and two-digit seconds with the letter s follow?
3h43
